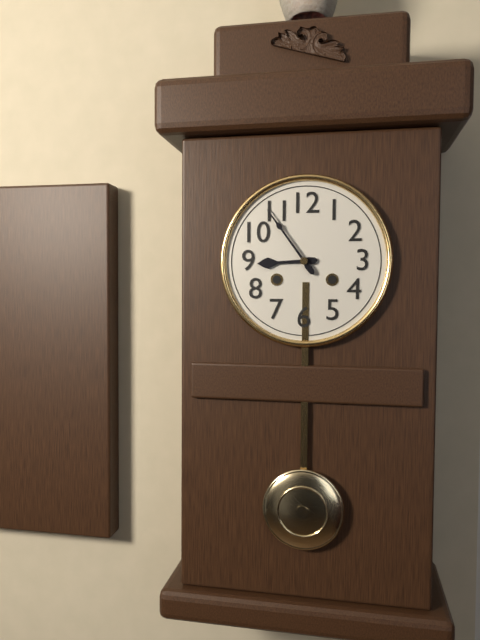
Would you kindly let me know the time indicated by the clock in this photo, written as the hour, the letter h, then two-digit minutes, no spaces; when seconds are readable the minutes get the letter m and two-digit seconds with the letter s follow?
8h54
